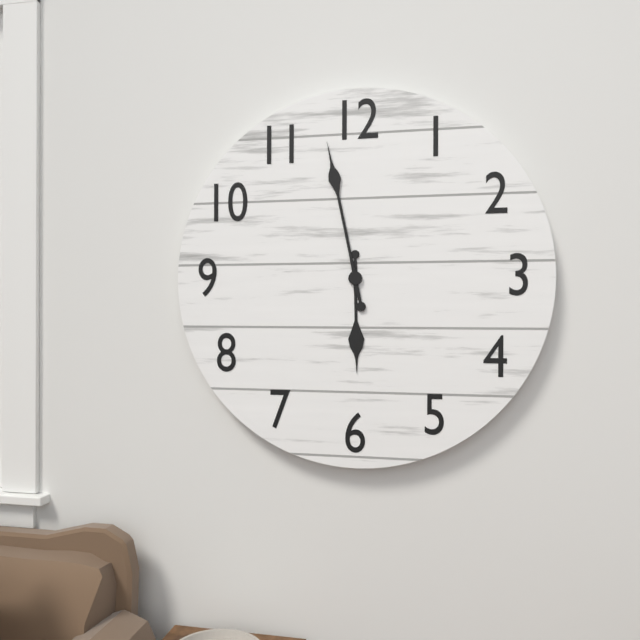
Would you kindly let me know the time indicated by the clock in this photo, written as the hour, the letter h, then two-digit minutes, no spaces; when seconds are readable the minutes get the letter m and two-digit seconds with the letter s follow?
5h58
